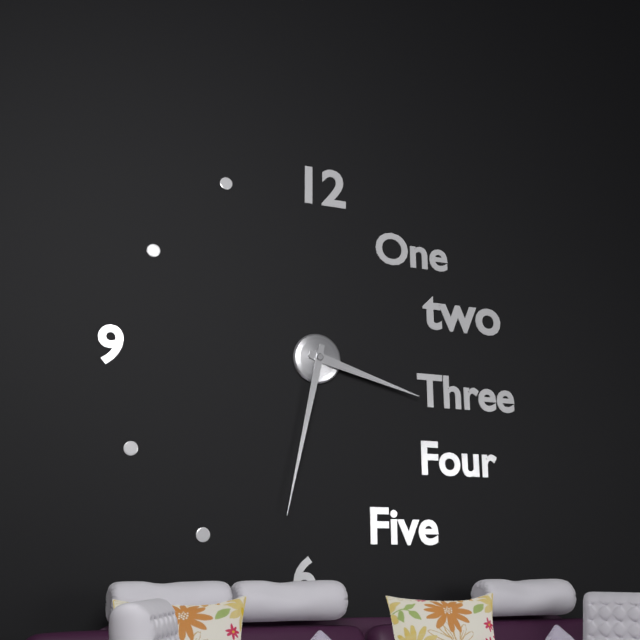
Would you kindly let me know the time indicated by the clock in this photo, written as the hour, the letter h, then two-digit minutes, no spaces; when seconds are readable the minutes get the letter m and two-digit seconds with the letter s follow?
3h32
